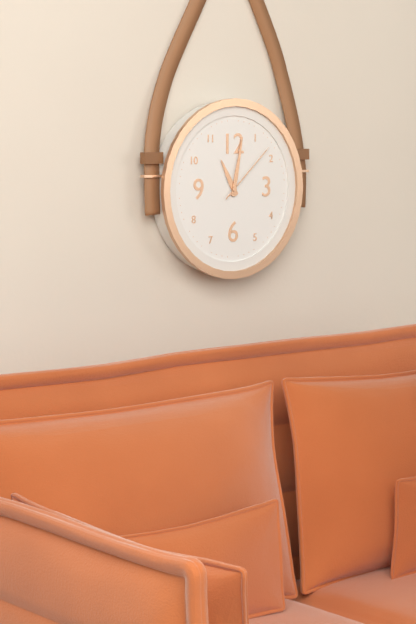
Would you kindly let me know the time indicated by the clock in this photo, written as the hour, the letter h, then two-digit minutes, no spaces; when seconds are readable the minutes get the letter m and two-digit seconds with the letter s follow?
11h02m08s
